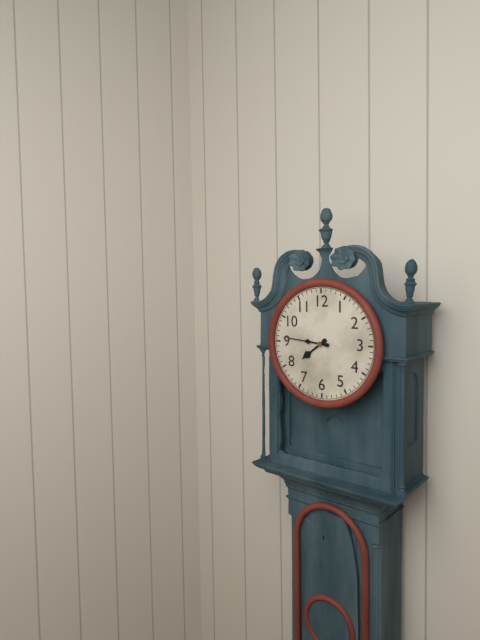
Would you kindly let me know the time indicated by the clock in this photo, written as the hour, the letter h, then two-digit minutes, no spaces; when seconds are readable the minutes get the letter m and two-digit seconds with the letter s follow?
7h46
